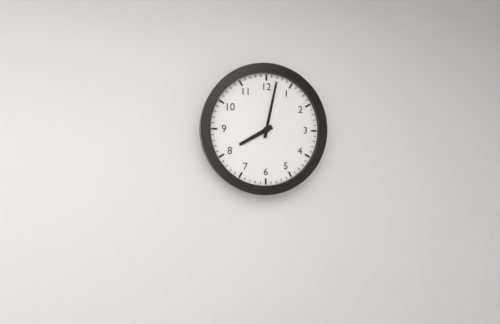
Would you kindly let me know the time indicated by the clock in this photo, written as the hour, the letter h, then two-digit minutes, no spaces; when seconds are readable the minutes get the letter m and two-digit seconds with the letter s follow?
8h02
